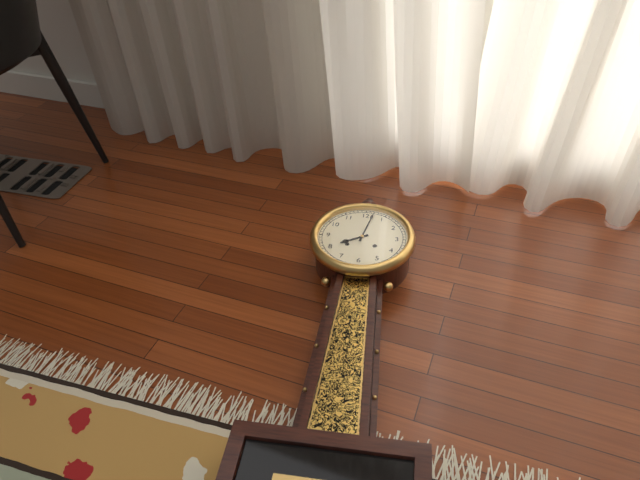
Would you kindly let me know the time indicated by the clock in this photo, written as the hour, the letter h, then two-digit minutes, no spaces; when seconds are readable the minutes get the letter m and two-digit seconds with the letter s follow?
8h02
